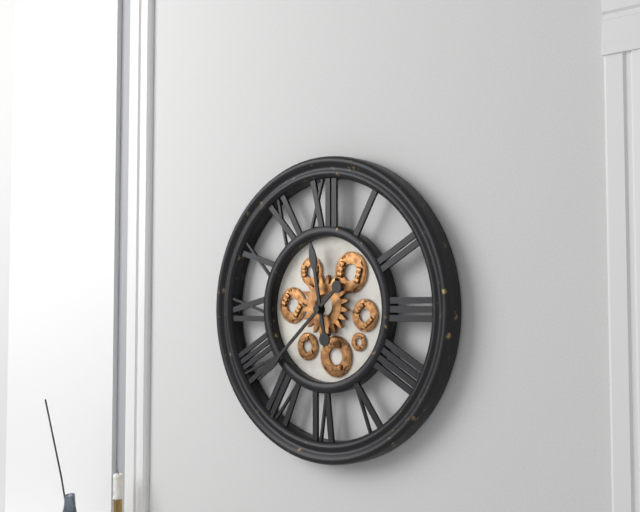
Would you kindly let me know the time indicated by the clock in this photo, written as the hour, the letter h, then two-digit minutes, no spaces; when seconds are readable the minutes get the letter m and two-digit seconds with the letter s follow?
11h38
